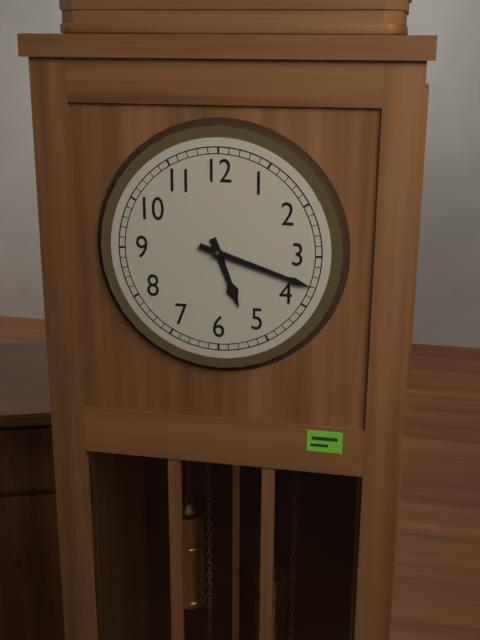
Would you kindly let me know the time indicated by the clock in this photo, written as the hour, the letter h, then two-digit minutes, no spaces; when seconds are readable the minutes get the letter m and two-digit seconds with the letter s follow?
5h18
